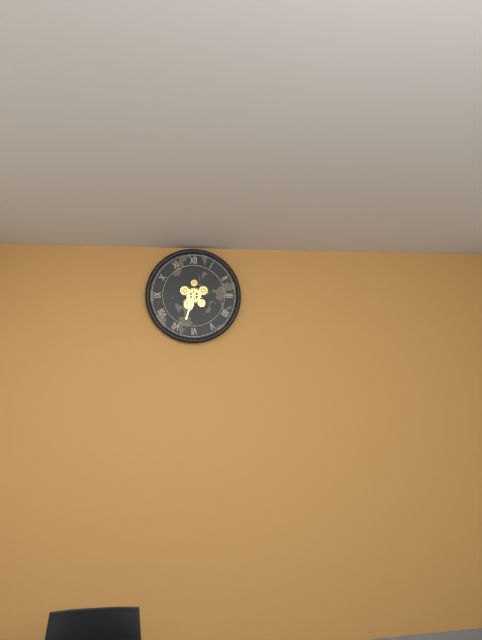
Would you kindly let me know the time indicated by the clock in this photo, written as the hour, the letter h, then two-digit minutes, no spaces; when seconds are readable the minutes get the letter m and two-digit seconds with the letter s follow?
6h33
